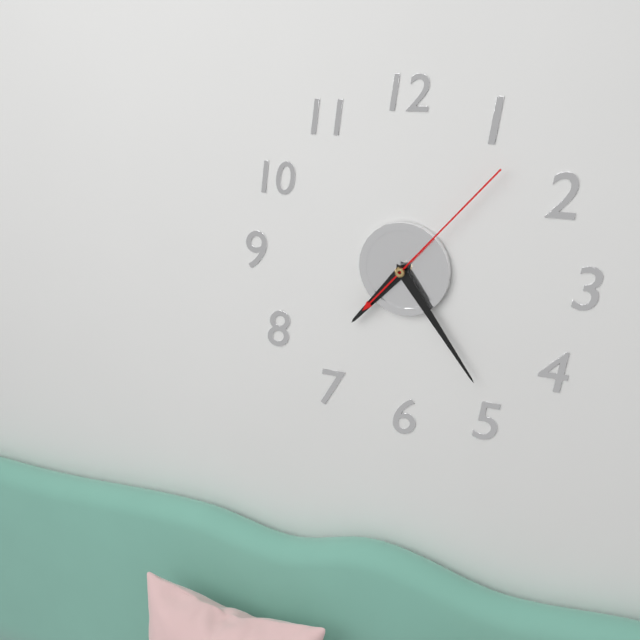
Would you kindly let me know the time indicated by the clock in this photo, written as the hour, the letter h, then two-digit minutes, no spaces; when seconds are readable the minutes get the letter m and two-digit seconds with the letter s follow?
7h24m07s
